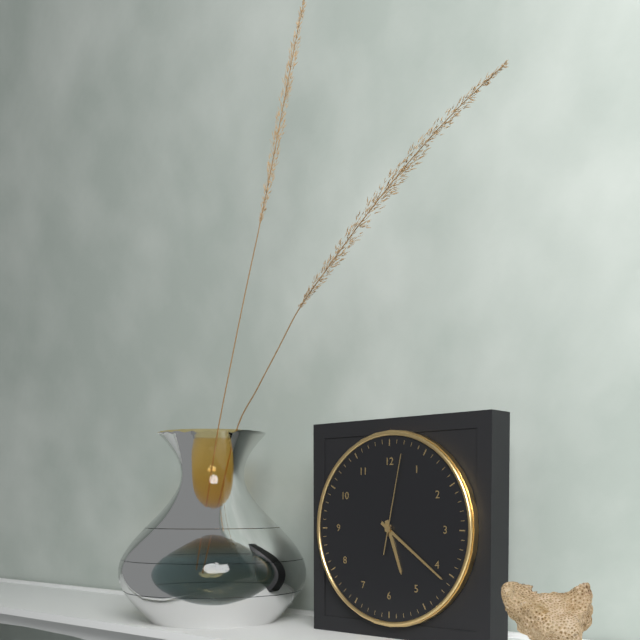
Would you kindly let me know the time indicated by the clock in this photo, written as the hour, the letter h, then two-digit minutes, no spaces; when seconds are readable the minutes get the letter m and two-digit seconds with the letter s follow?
5h21m02s
